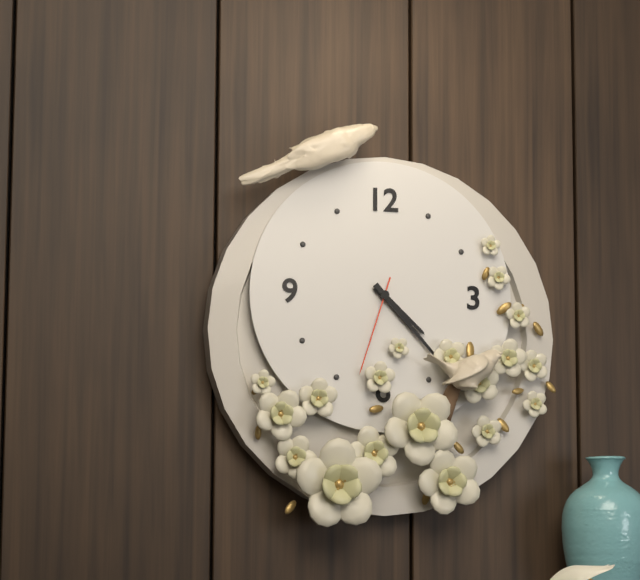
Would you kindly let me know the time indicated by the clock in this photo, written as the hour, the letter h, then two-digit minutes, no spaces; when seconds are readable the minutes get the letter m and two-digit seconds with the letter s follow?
4h23m33s
